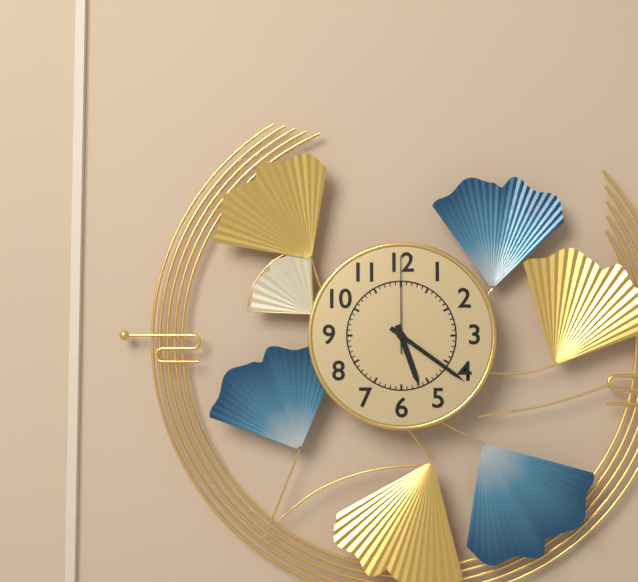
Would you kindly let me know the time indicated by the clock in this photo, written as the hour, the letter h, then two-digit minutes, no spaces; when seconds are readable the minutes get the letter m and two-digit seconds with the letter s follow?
5h21m00s
